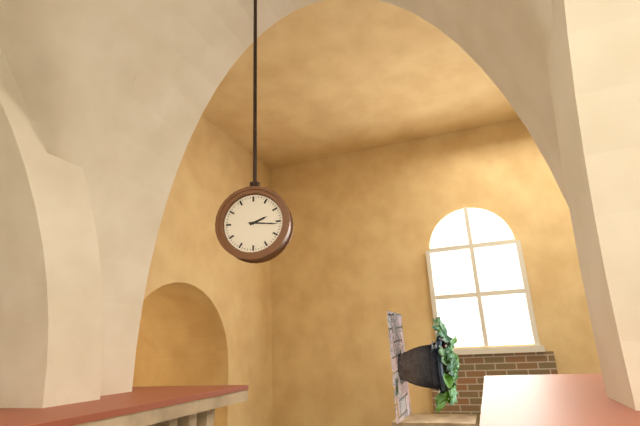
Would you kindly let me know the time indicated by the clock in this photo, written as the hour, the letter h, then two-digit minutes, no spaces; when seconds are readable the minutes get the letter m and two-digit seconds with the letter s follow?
2h16
